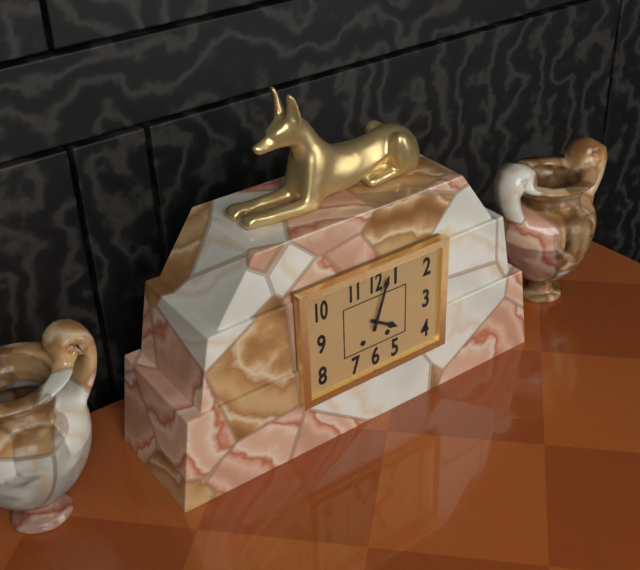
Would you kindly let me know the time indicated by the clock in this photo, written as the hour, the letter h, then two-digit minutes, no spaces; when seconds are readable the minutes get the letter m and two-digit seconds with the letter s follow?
4h03
